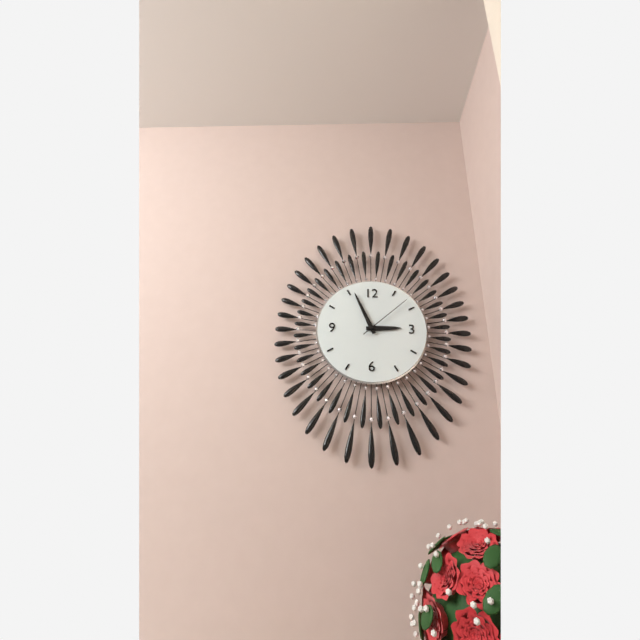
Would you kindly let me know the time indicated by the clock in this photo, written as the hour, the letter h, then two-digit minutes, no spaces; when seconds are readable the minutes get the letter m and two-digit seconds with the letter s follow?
2h56m08s
